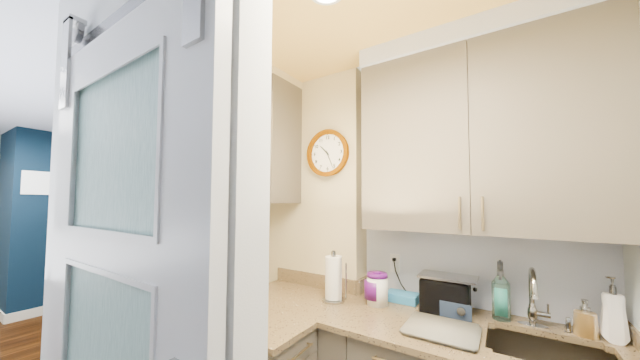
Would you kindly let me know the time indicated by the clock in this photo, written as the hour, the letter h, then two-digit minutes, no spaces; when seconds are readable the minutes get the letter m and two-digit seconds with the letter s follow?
10h26
